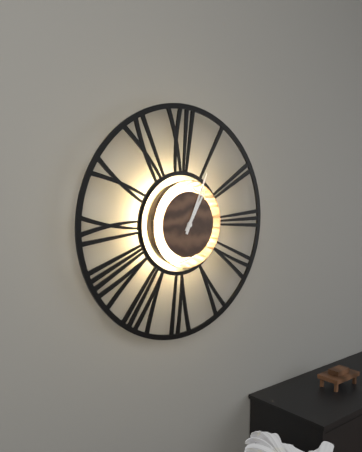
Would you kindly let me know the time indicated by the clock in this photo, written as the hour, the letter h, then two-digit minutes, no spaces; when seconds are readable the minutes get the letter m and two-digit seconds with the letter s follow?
1h04
